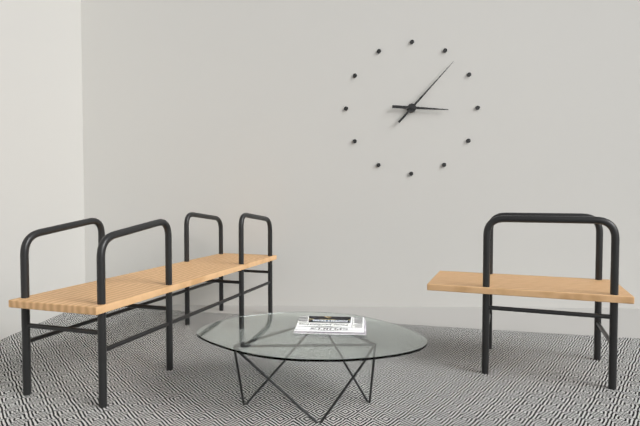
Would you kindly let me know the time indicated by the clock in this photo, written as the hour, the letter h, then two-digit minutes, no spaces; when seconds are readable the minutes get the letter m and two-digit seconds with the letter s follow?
3h07
